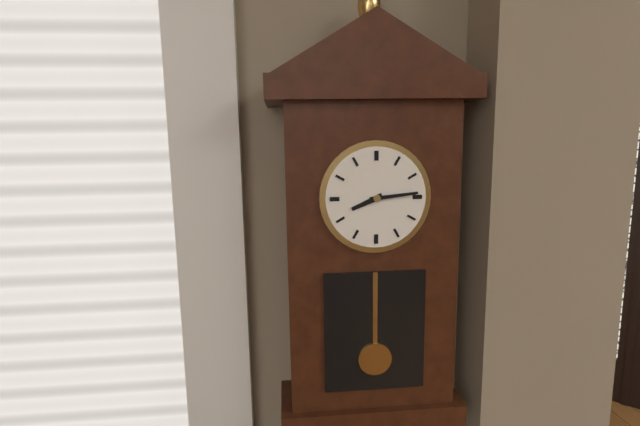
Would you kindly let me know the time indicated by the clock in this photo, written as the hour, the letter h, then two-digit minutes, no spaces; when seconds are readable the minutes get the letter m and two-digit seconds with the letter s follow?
8h14
